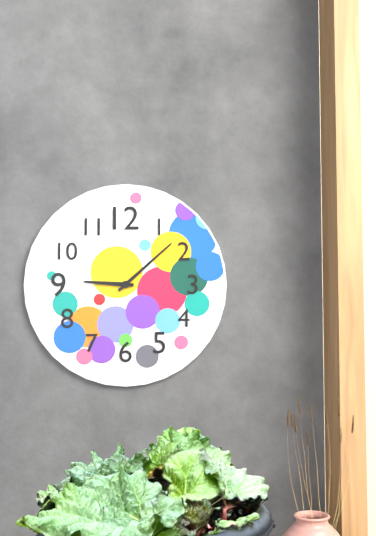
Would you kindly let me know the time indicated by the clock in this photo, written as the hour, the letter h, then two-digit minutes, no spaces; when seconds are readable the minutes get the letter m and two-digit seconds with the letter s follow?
9h08
